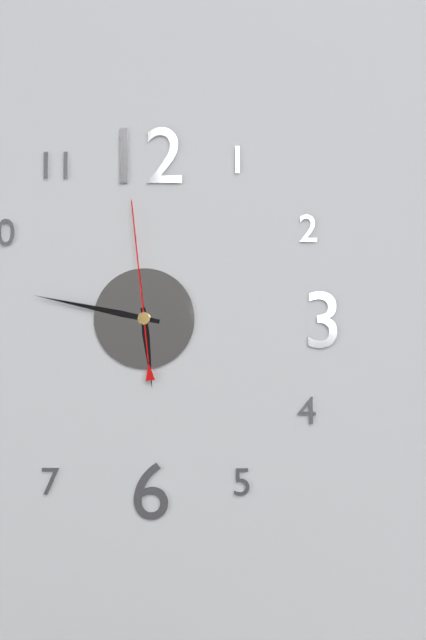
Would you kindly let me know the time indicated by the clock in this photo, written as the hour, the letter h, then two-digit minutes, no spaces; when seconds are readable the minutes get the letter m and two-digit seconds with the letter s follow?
5h47m59s
